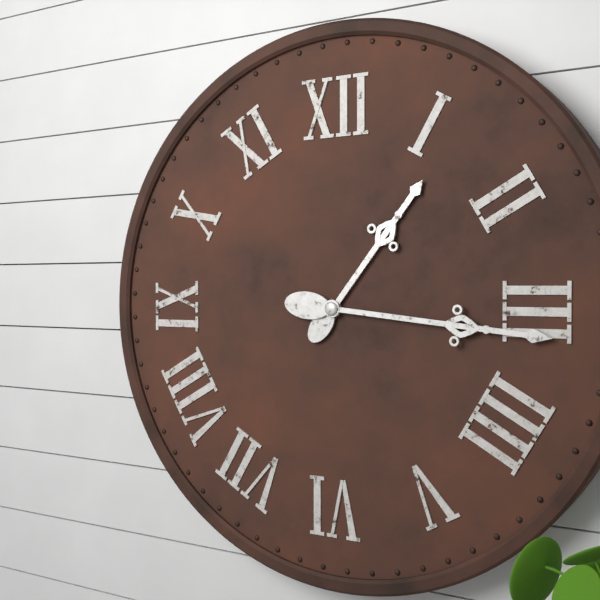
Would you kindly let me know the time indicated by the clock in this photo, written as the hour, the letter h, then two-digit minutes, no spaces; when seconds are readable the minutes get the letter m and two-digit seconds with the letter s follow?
1h16
